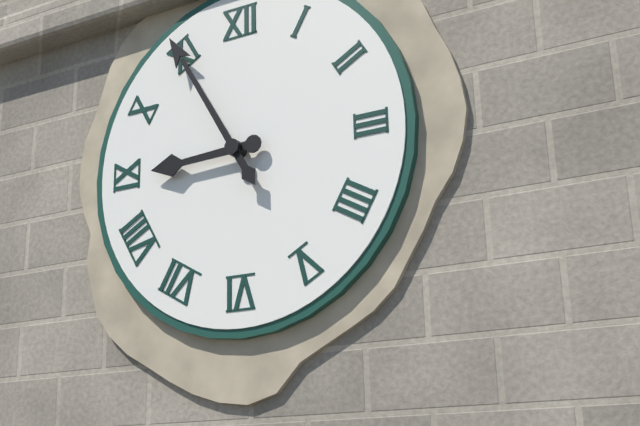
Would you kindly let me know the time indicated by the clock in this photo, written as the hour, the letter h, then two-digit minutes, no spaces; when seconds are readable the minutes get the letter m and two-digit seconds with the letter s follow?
8h55
